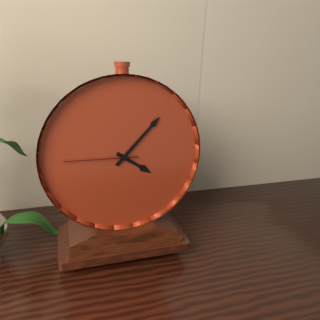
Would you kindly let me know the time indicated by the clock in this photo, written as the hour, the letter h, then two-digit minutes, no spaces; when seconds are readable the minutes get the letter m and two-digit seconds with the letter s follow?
4h07m45s
